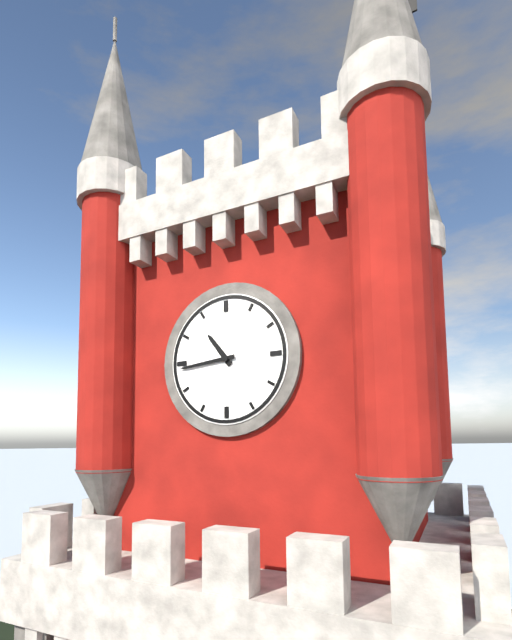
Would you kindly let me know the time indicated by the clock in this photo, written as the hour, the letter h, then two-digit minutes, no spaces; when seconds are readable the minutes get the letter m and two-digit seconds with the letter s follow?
10h44
